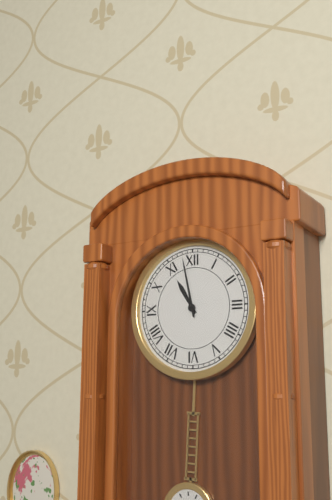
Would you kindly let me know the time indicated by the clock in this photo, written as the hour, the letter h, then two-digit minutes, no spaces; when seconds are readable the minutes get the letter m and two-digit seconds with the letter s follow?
10h58
